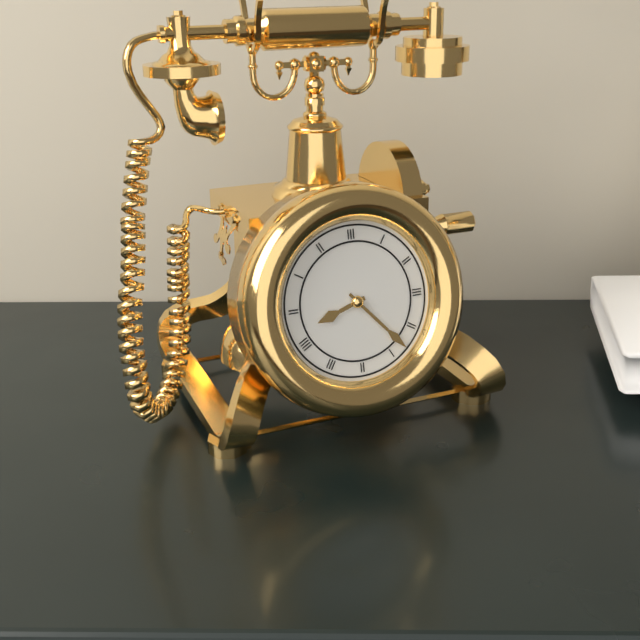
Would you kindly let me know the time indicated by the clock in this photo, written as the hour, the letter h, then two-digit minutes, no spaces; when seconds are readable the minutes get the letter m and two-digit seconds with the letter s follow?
8h23
